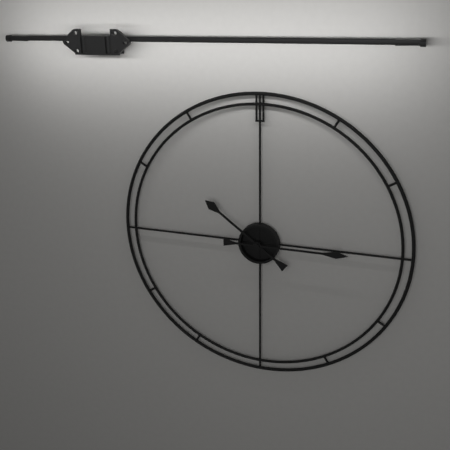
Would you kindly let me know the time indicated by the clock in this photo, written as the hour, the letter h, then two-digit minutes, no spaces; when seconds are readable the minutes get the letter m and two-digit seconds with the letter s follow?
10h15
